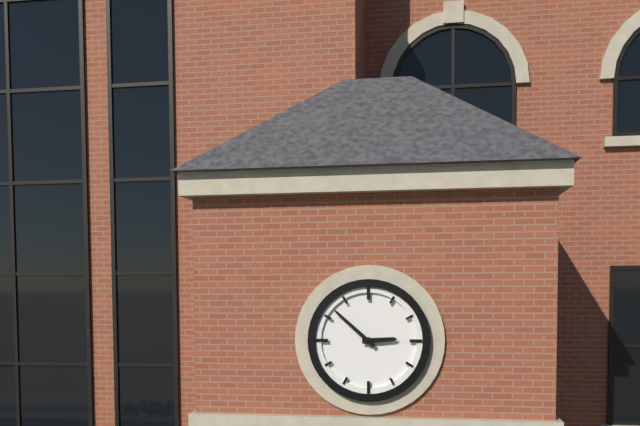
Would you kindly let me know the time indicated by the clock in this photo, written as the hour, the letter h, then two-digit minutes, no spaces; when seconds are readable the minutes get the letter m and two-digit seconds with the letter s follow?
2h52
